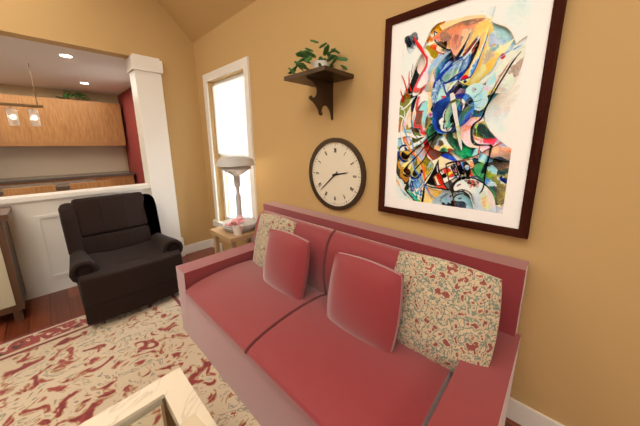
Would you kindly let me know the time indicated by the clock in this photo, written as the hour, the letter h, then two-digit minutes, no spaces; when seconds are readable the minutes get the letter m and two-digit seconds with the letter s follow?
2h38
